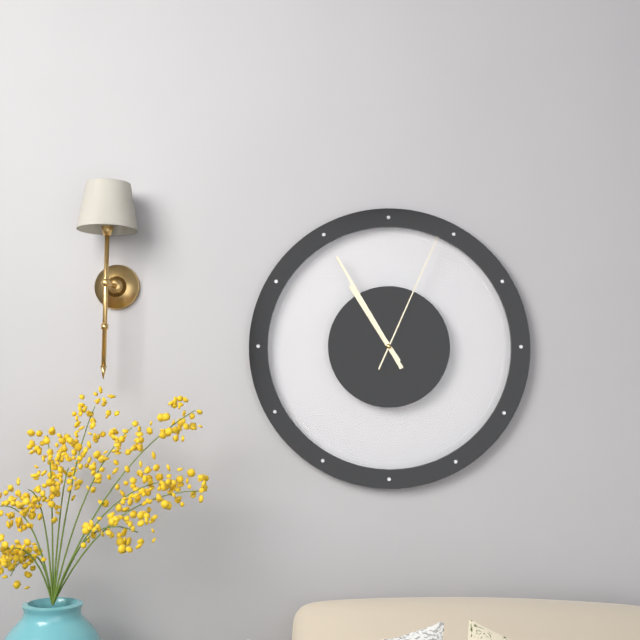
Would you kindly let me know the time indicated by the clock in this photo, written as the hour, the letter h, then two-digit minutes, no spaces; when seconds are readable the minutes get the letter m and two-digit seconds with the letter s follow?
10h55m04s
